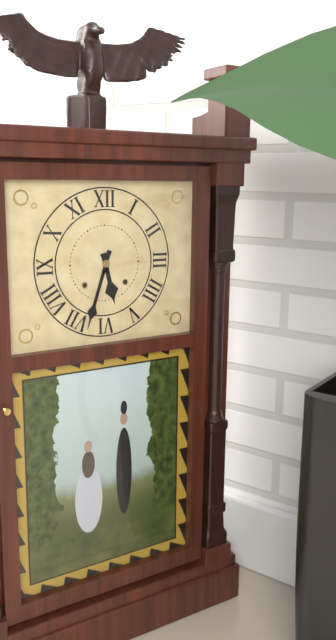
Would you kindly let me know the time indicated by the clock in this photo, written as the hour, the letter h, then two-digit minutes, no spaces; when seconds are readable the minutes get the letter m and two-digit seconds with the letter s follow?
5h33
